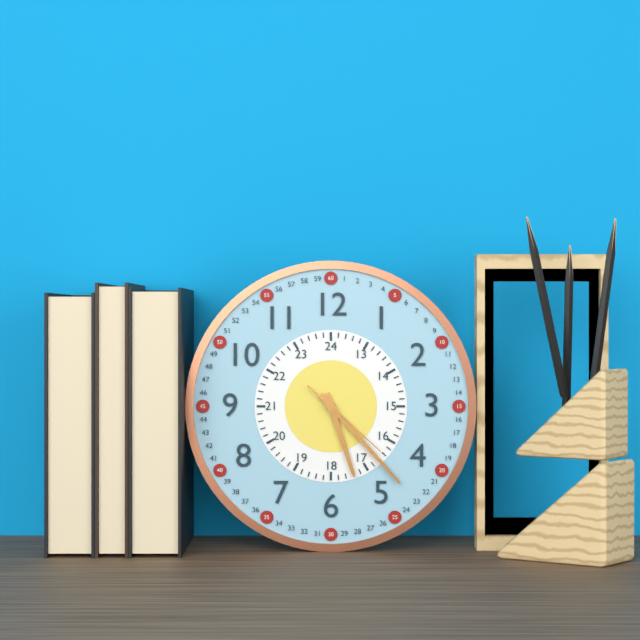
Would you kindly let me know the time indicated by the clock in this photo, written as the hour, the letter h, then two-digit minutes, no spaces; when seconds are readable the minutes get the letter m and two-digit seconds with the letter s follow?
5h23m22s
